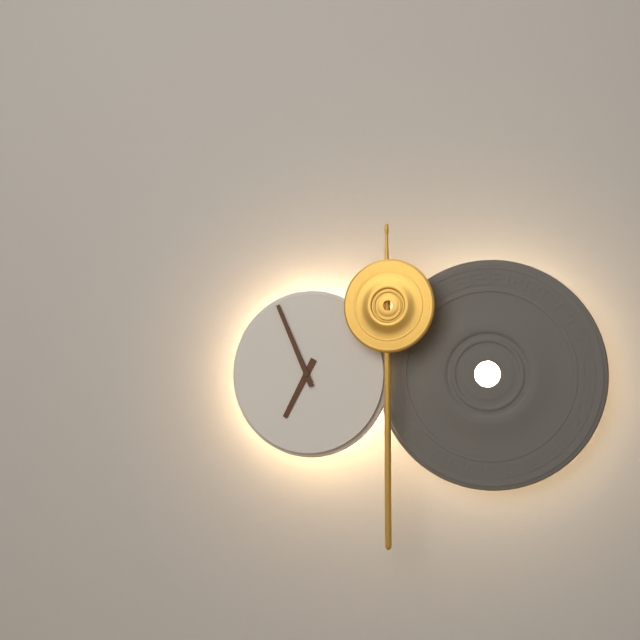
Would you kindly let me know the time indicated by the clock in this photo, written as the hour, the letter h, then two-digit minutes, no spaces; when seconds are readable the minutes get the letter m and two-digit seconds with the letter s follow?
6h56
